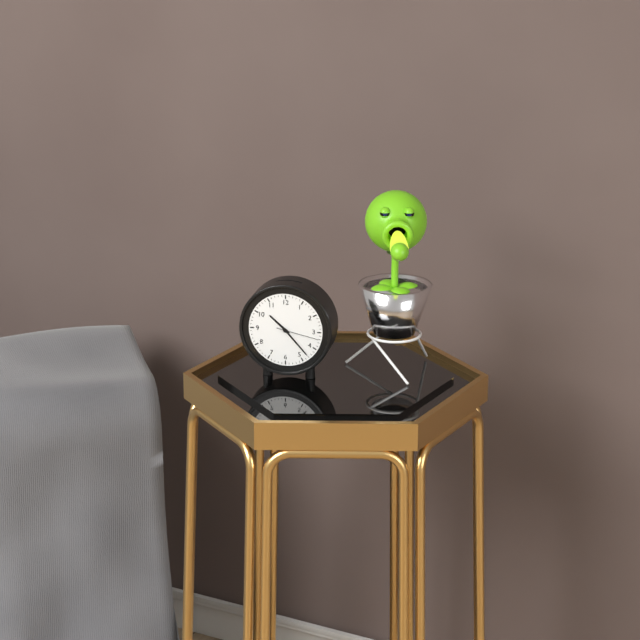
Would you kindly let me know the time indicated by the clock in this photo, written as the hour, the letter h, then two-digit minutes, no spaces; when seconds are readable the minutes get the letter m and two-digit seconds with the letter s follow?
10h23
